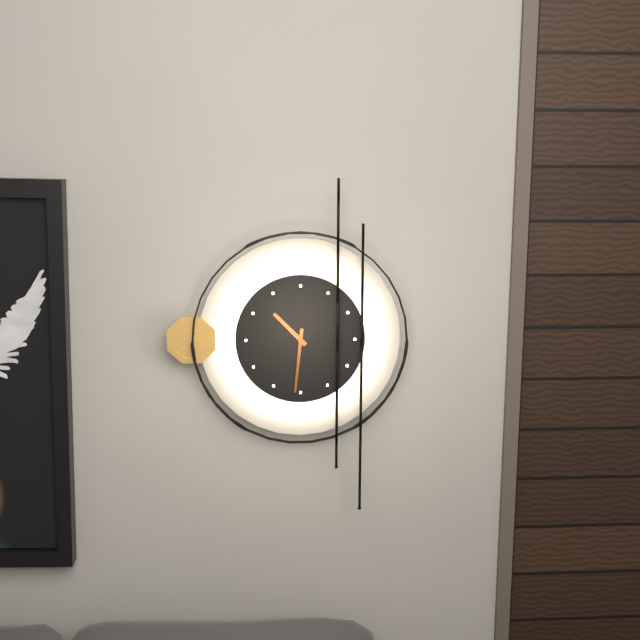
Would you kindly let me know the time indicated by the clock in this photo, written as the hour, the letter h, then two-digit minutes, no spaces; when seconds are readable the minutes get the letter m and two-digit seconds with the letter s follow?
10h31
